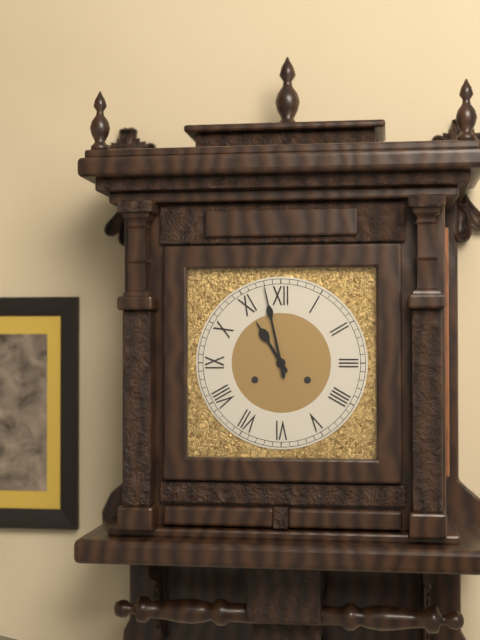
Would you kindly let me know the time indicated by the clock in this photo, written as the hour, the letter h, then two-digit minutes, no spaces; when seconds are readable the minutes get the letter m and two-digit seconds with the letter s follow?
10h58
